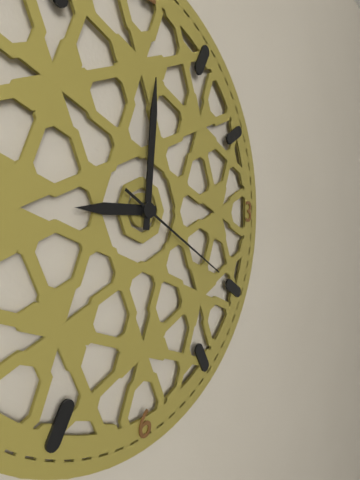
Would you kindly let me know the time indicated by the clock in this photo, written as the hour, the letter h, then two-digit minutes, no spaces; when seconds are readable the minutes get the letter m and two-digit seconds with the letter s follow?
9h01m20s
